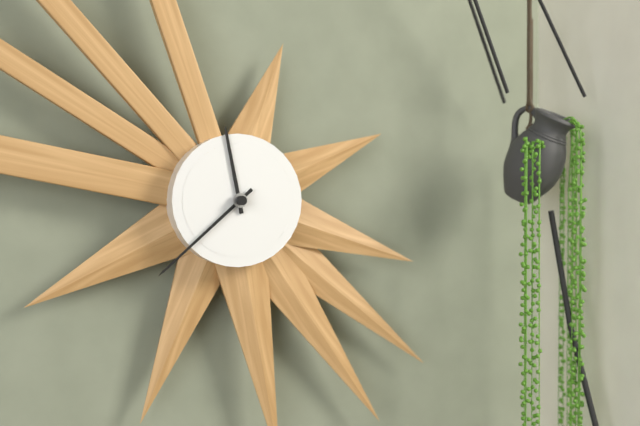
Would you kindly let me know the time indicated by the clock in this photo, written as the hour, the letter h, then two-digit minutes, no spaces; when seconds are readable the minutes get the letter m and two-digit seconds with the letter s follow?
11h38
